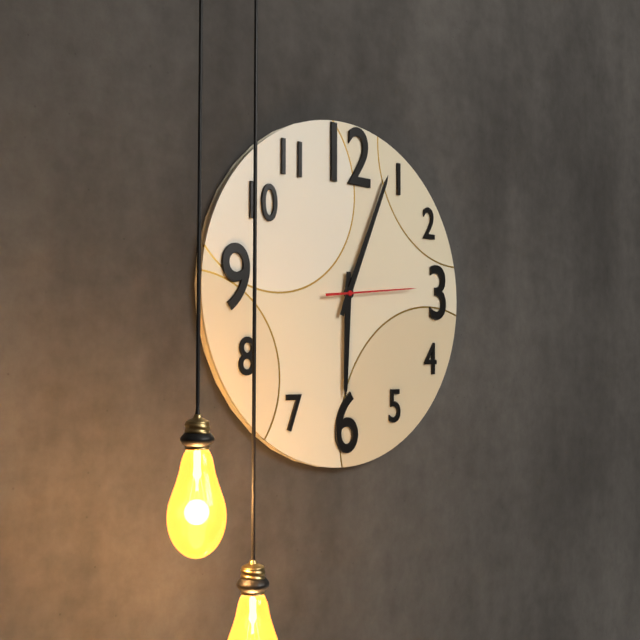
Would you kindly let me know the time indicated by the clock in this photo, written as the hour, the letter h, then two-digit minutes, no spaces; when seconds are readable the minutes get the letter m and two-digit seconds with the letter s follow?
6h04m14s
